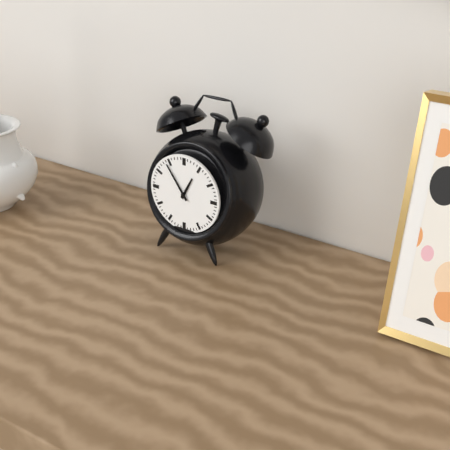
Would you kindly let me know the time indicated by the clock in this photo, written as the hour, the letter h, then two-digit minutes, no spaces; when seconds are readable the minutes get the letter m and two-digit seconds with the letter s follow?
12h54
